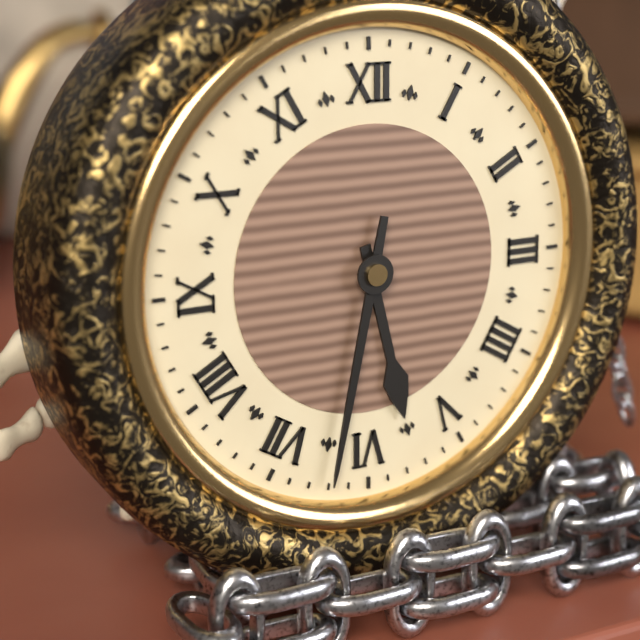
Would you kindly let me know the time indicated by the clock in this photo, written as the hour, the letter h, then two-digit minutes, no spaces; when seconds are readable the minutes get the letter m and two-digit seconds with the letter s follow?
5h32
